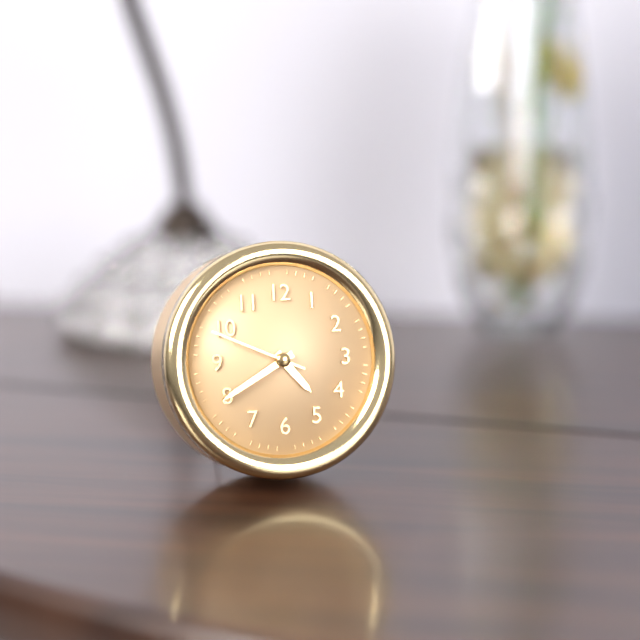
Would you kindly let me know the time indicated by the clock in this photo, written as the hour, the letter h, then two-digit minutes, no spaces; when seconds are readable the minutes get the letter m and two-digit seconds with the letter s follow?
4h40m49s
